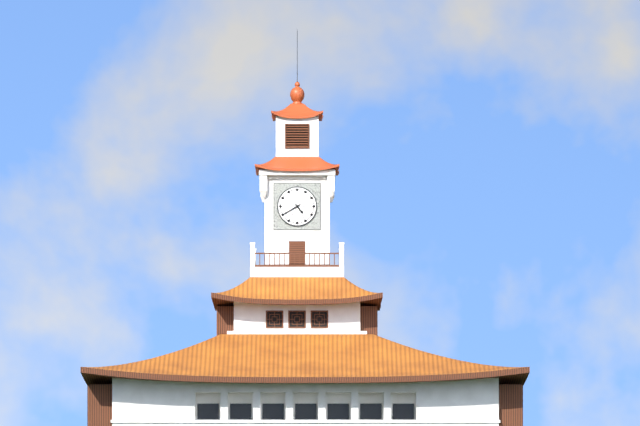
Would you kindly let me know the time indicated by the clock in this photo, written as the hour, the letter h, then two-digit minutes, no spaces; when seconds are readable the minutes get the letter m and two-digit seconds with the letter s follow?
4h40
